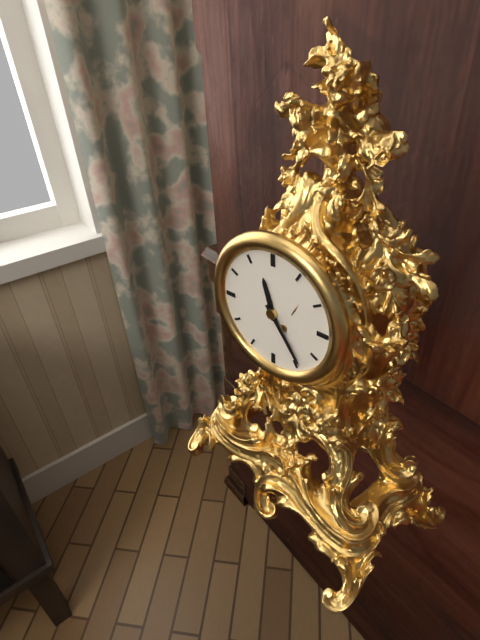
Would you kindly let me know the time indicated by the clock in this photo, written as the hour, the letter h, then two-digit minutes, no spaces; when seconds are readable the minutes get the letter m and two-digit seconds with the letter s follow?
11h24
